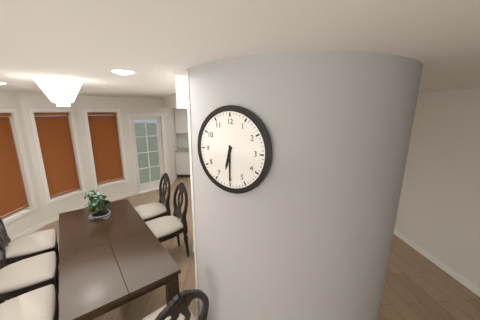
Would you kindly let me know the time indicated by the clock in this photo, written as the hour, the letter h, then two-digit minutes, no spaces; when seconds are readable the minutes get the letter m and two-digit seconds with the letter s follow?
6h30
